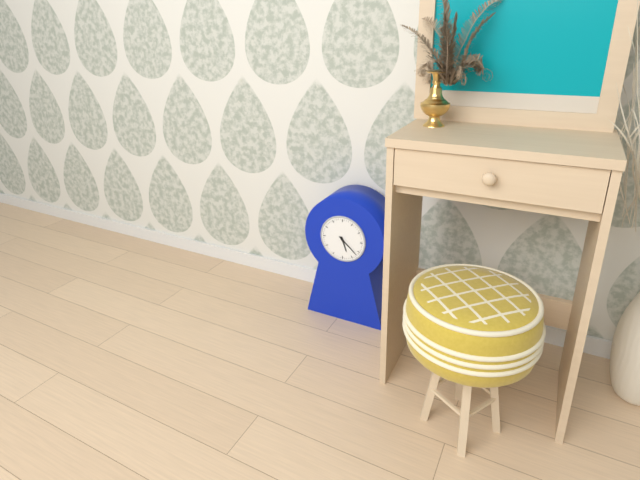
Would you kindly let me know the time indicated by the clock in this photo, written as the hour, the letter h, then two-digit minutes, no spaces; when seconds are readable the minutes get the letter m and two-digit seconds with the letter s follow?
5h22
